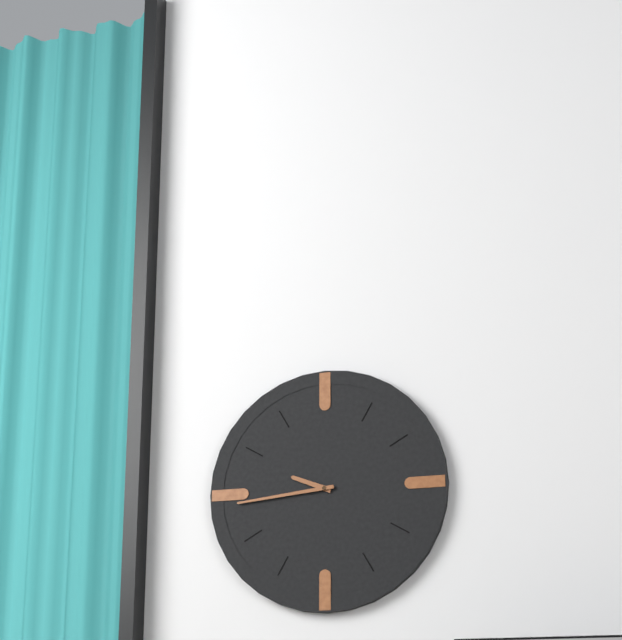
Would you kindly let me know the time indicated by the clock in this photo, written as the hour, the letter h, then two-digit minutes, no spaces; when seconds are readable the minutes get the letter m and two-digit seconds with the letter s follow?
9h44
